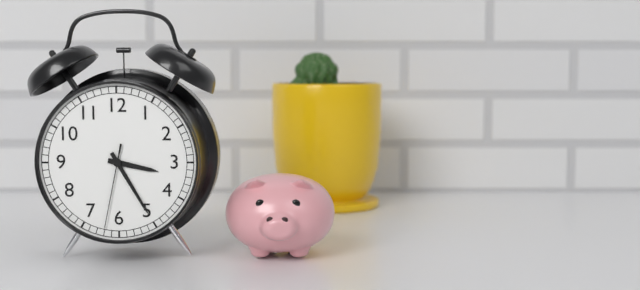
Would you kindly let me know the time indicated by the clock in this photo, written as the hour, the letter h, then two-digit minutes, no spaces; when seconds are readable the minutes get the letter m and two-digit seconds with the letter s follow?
3h25m32s
